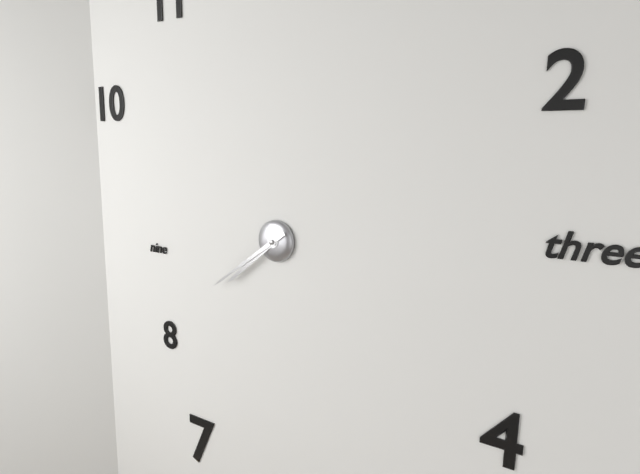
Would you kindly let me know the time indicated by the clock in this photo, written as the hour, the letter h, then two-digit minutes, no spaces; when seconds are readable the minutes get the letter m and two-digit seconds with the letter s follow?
7h39
